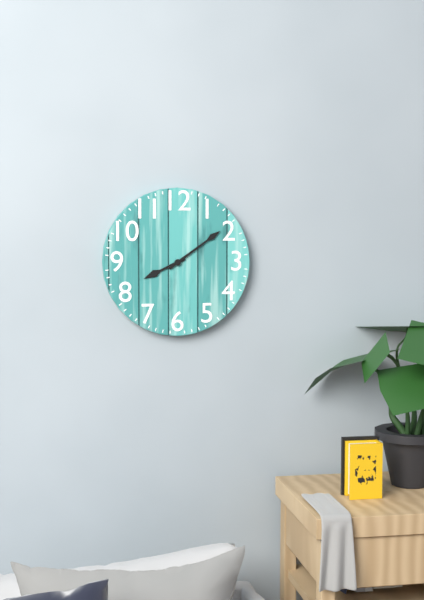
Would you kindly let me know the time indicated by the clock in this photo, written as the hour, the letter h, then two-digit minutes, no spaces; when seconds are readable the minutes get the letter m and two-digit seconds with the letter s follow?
8h09
